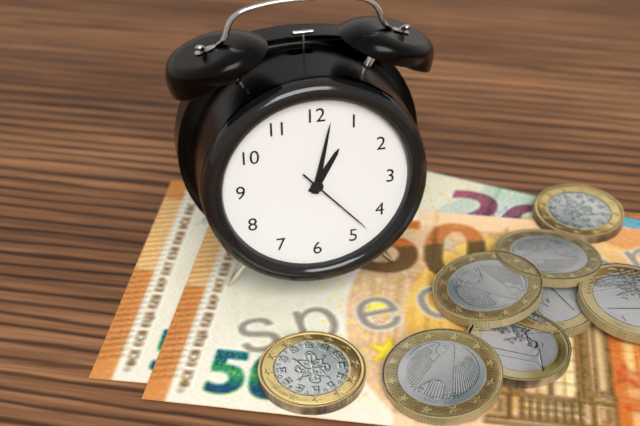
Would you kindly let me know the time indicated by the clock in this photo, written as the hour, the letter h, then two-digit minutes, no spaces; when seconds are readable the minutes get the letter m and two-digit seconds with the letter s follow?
1h02m23s
